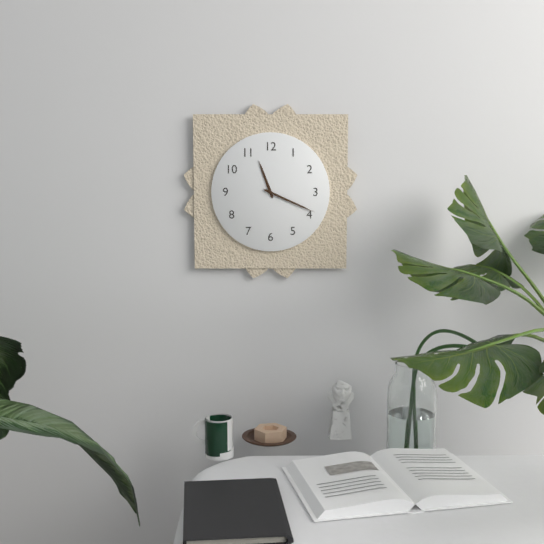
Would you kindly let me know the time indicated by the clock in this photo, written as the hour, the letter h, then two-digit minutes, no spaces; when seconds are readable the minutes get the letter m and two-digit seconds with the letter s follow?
11h19
